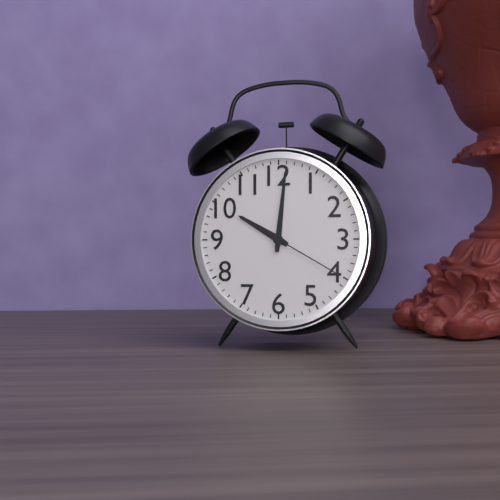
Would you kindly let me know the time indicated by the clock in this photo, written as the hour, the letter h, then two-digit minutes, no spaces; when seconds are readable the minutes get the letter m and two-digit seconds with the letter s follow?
10h01m20s
